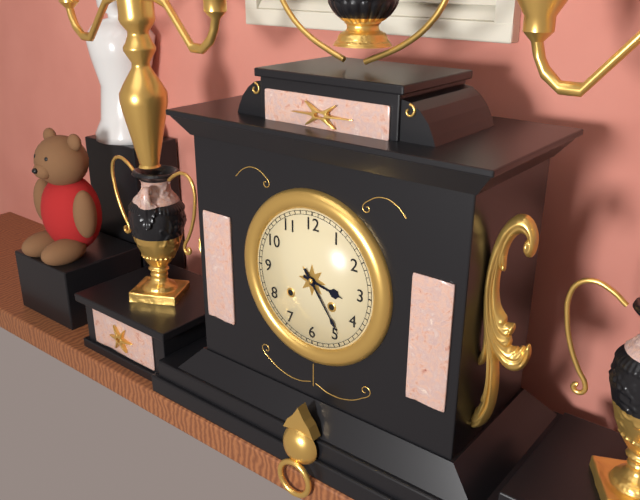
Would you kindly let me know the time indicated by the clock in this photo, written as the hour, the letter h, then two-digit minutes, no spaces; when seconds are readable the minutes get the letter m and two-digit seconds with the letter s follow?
3h24
